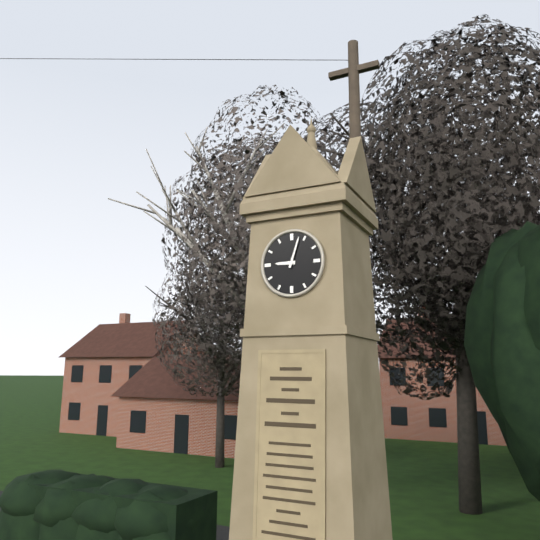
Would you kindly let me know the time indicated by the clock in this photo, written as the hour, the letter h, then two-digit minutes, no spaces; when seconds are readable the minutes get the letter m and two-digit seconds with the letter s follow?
9h03
